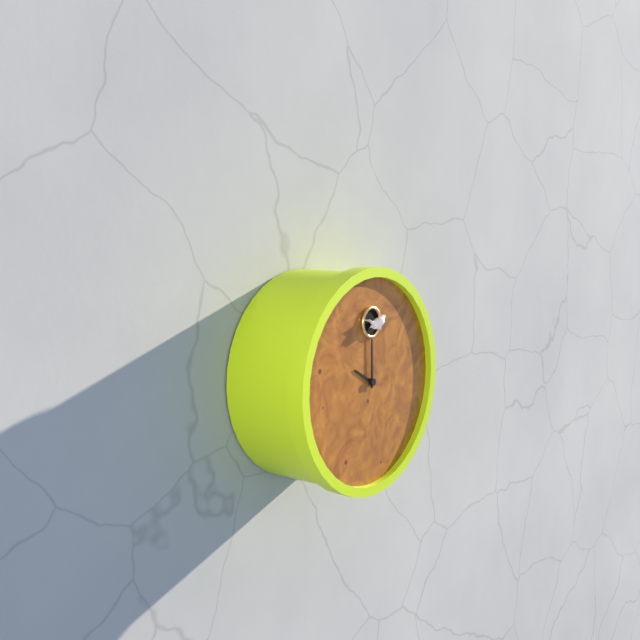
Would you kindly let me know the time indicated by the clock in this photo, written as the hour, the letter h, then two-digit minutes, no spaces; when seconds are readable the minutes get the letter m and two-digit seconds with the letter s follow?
10h00
